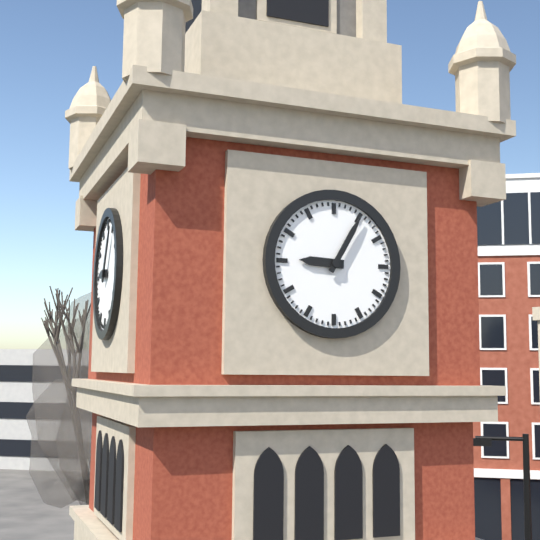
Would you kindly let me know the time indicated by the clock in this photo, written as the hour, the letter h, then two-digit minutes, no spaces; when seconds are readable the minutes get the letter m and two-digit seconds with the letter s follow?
9h05
